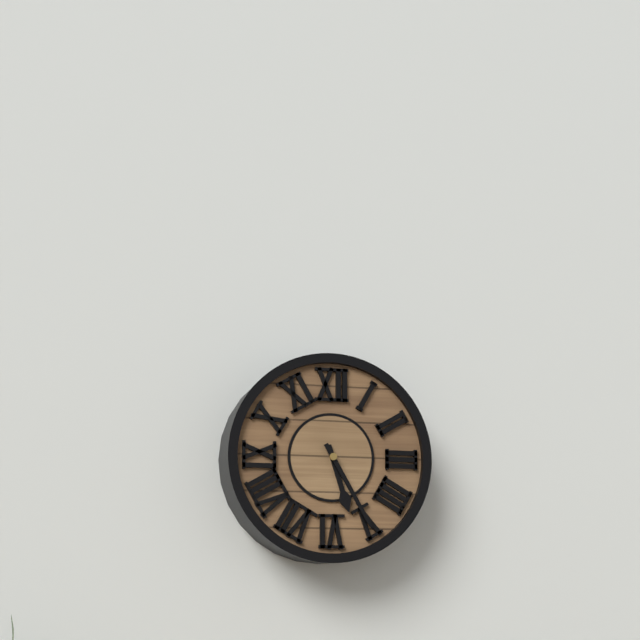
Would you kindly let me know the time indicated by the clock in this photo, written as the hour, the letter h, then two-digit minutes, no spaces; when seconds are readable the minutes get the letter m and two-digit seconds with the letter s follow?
5h25
